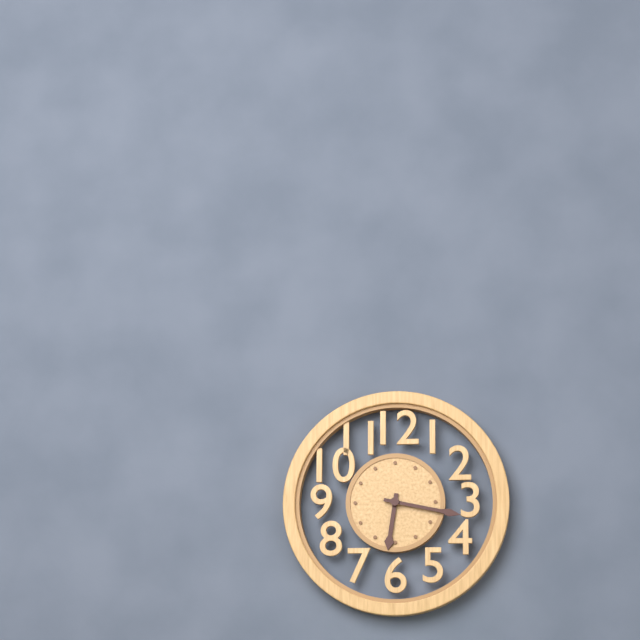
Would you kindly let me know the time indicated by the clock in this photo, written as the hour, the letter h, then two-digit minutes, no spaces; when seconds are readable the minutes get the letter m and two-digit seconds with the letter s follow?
6h17
